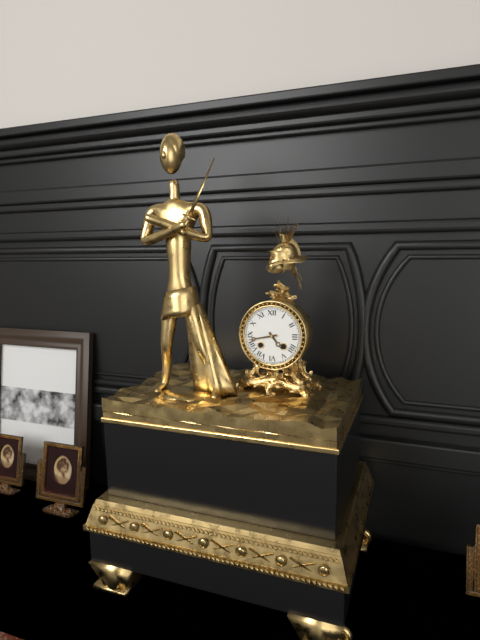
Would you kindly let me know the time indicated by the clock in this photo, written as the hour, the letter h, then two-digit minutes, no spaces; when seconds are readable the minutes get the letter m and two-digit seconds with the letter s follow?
4h43
